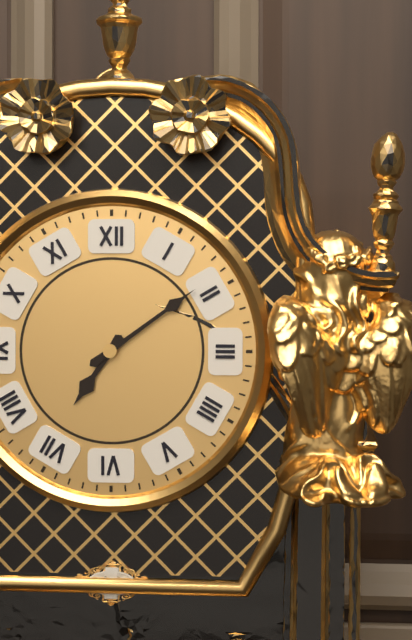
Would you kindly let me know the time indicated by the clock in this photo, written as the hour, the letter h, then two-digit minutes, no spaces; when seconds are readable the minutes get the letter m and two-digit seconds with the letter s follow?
7h09
